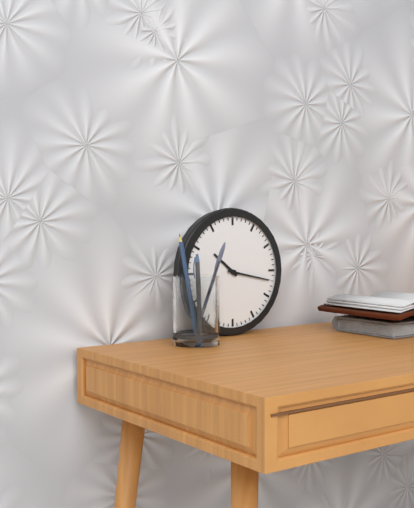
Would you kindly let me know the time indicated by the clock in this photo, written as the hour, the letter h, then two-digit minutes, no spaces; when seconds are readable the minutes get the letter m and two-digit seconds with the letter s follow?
10h17
